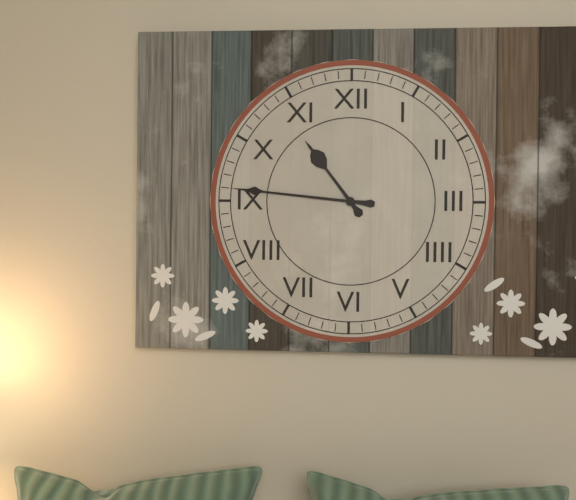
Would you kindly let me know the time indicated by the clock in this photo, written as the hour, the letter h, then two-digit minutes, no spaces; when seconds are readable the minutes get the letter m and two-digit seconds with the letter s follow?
10h46
